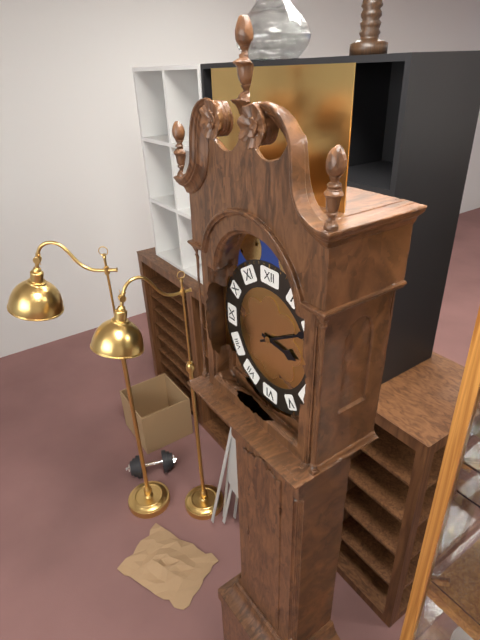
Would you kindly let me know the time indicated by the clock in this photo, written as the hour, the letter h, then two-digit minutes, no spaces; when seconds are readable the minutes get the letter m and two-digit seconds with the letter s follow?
3h10
